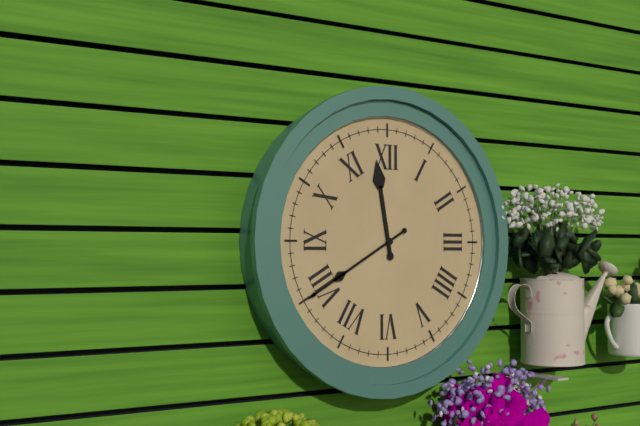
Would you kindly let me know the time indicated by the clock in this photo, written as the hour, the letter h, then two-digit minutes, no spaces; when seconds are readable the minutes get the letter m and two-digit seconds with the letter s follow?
11h40
